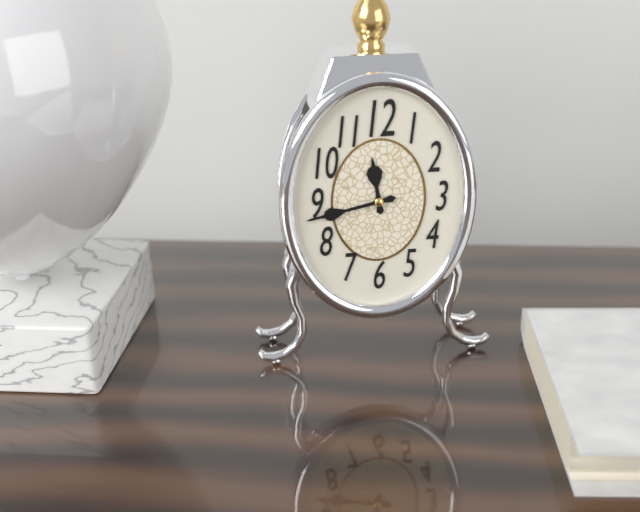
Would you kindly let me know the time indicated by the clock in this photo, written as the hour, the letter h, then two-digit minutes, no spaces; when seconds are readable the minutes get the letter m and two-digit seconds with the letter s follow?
11h43
